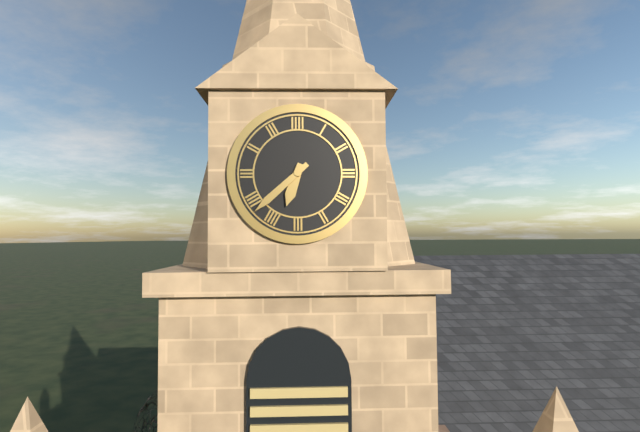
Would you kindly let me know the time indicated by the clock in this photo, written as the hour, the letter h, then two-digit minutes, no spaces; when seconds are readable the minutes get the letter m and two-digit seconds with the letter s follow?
6h38
